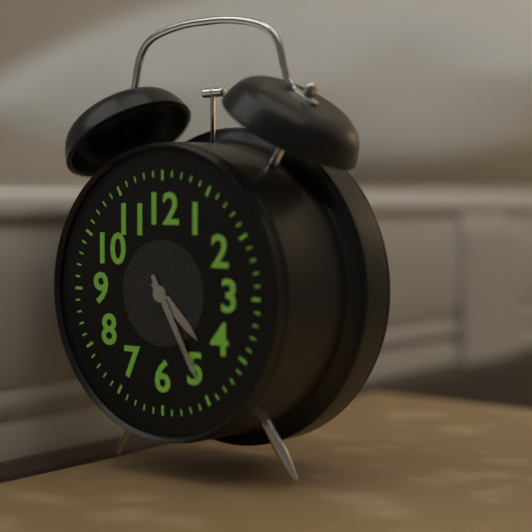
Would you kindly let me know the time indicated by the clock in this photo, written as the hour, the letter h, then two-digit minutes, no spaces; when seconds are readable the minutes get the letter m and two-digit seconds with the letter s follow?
4h25
